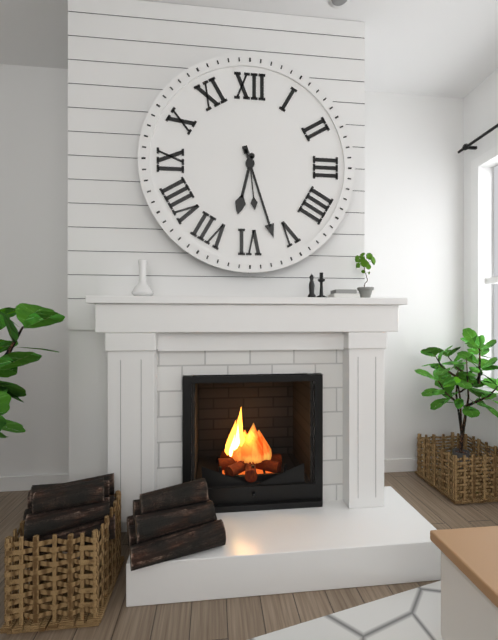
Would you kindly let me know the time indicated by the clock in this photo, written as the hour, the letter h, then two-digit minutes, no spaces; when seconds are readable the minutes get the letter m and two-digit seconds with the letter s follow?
6h27m29s
